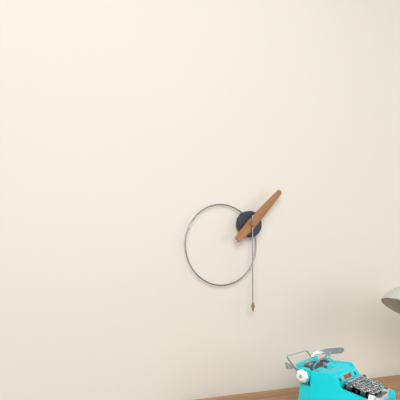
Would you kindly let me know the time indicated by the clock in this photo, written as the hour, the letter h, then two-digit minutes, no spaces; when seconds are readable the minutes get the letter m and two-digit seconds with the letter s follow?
1h30
